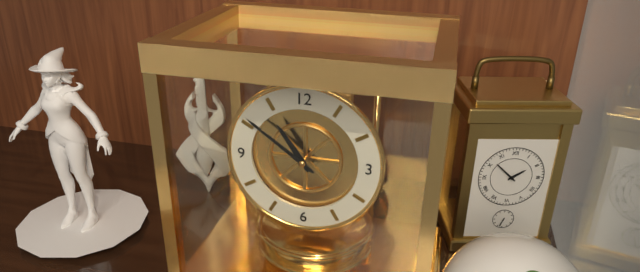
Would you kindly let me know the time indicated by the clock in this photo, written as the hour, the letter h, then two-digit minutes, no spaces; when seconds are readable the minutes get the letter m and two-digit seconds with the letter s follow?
10h51
